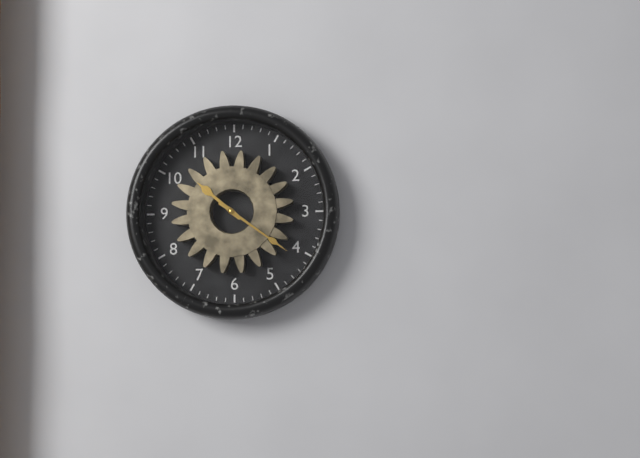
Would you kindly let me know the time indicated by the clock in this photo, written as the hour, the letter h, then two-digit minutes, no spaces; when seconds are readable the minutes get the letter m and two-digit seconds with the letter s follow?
10h21
